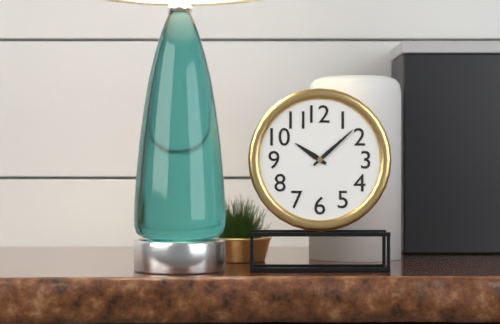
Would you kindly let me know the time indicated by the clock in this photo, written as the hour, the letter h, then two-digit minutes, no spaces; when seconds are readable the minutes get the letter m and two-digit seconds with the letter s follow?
10h08
